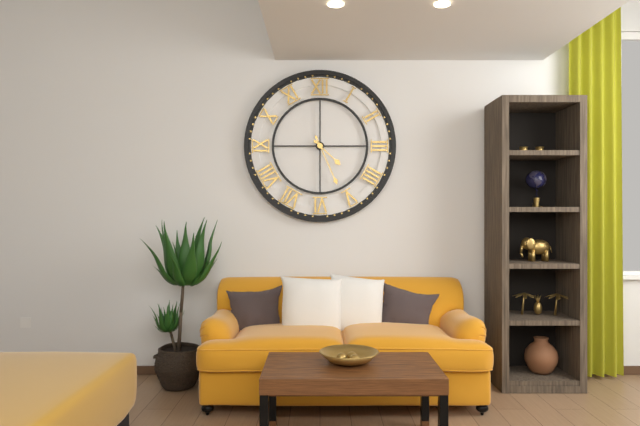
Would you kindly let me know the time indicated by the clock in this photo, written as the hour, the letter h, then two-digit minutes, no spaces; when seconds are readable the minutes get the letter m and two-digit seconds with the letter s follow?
4h26
